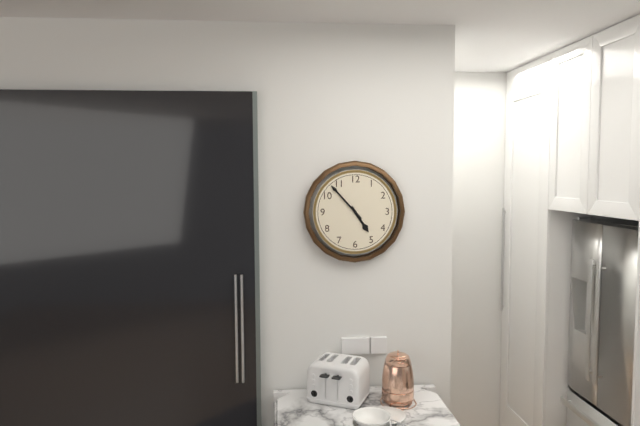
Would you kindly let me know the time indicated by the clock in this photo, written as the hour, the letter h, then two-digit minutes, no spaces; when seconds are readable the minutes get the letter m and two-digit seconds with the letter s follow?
4h53
